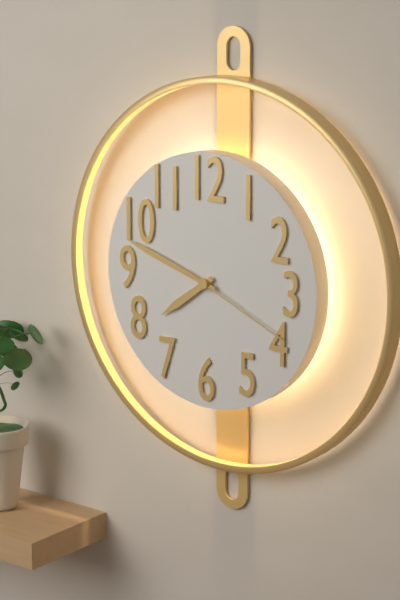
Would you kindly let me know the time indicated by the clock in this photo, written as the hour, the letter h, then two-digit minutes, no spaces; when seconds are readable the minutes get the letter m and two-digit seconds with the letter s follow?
7h48m19s
